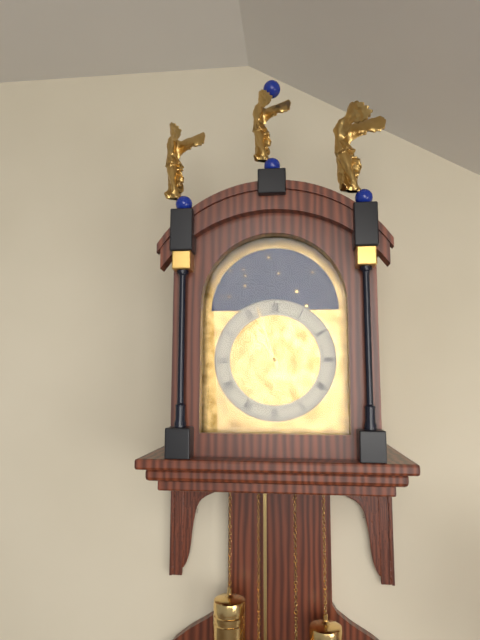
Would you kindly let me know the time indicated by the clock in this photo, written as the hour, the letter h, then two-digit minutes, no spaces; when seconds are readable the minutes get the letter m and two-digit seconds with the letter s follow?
10h57
